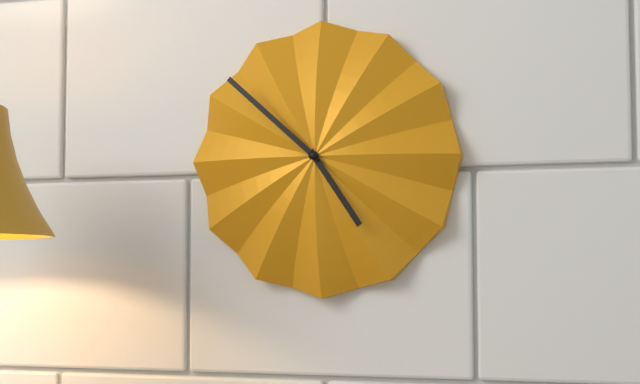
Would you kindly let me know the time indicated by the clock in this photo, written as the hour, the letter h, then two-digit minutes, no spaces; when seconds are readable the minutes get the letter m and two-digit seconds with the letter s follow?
4h52
